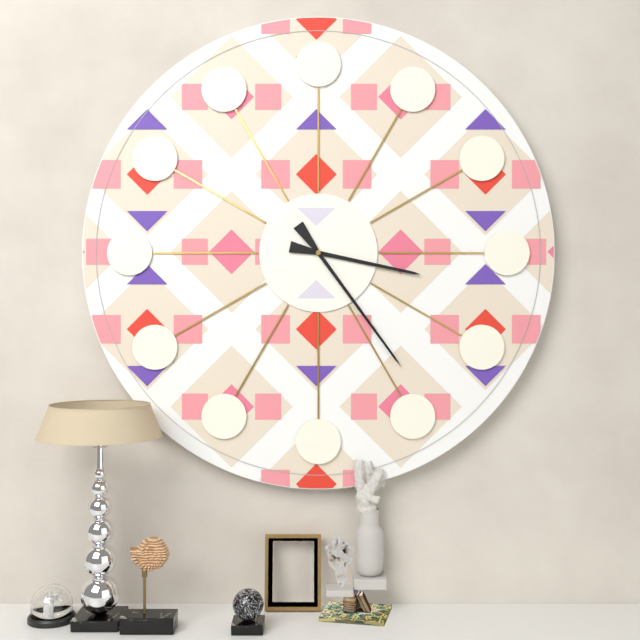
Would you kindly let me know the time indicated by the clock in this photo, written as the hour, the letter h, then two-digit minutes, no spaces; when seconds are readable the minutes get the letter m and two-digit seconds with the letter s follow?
3h24
